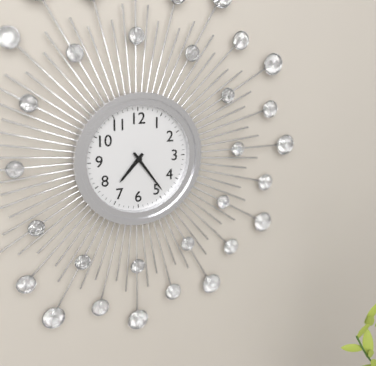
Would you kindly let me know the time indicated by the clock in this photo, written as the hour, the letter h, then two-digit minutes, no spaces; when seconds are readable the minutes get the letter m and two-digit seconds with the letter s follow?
7h24
